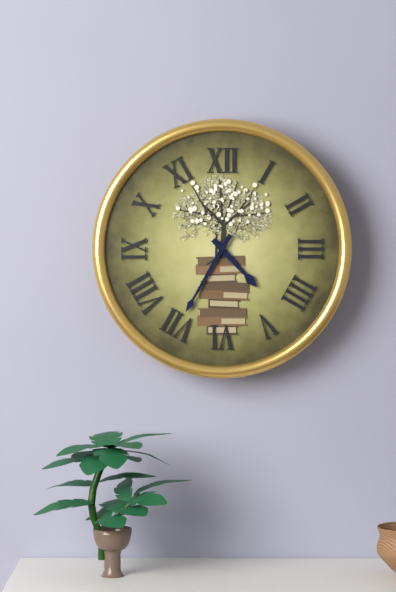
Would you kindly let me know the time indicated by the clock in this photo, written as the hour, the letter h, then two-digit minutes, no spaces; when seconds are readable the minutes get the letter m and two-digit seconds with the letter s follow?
4h35
